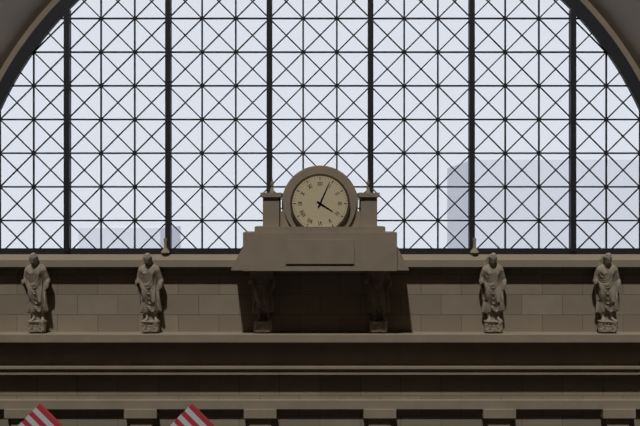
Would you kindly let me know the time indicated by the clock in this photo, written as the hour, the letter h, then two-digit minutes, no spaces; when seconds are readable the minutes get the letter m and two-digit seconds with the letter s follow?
4h04
